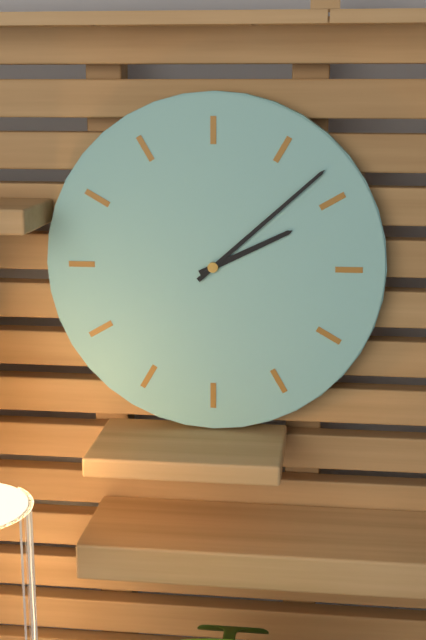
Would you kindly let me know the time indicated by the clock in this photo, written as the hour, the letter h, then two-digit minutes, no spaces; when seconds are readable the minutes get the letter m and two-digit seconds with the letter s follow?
2h08
